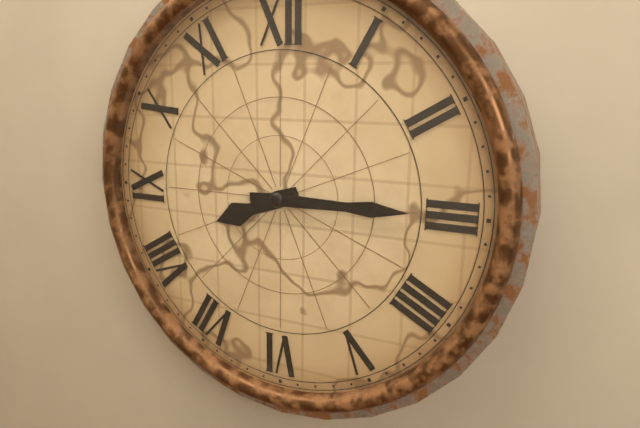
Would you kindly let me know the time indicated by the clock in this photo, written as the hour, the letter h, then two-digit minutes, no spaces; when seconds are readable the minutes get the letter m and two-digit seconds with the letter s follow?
8h15
